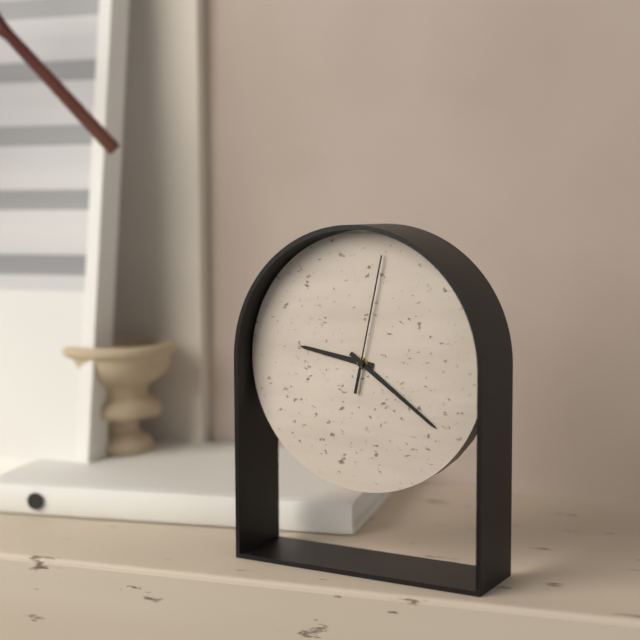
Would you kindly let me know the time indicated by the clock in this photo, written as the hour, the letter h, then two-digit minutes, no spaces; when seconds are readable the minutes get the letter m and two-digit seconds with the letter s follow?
9h21m02s
